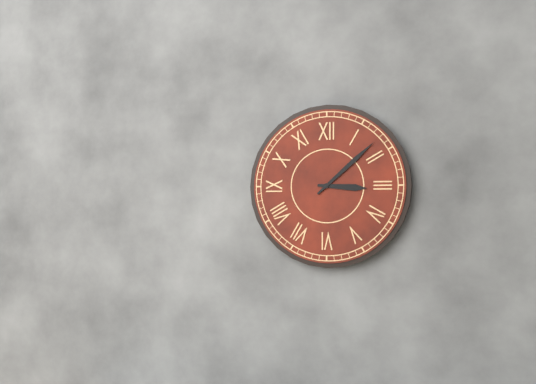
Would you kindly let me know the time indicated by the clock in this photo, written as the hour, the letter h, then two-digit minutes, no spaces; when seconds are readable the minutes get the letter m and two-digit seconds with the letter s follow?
3h08
